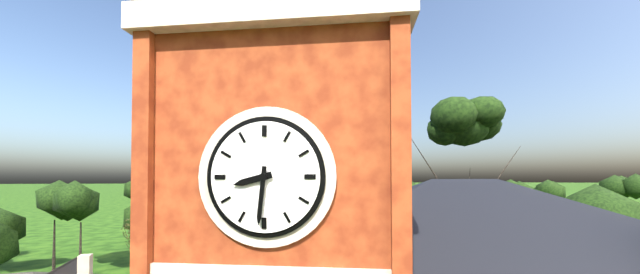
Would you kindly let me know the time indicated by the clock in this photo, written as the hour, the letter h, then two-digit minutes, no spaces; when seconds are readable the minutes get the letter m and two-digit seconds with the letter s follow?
8h31
